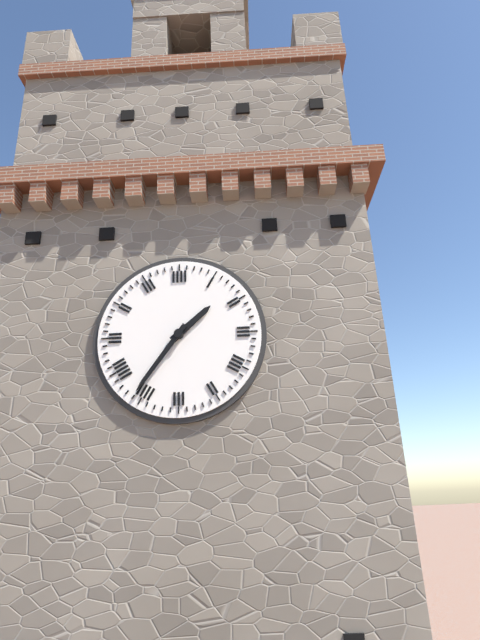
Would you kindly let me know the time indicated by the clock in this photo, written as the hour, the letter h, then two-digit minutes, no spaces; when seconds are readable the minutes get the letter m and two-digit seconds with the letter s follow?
1h36
